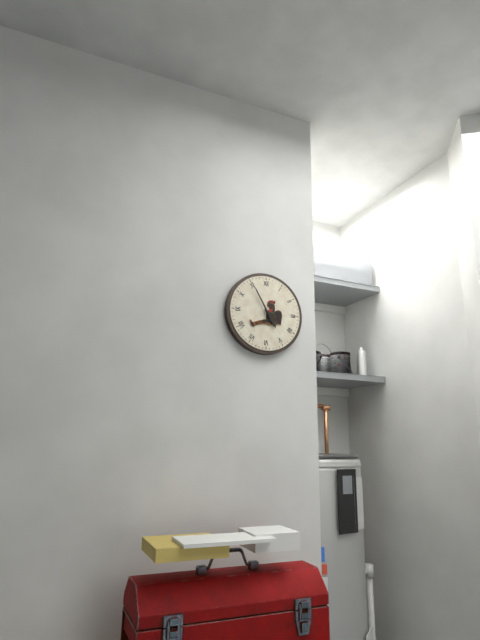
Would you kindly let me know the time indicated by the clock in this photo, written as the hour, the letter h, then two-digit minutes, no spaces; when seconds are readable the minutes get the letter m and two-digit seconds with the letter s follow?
4h55
